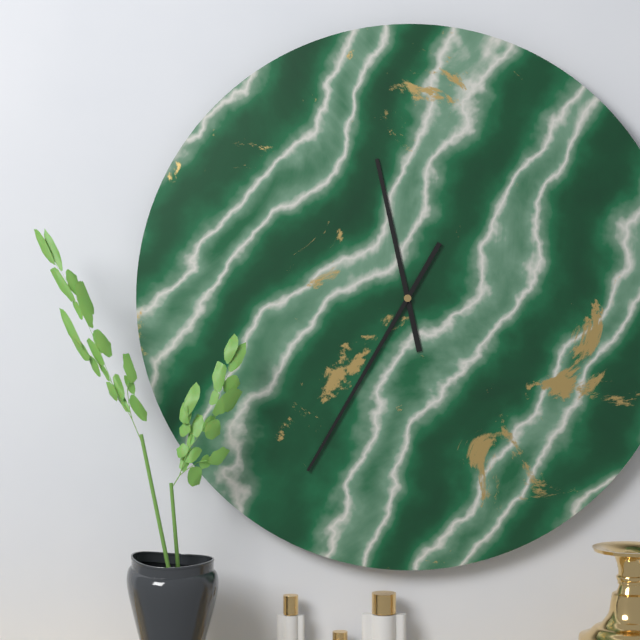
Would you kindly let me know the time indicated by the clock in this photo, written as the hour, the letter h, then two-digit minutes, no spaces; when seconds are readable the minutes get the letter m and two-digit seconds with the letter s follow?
11h35
